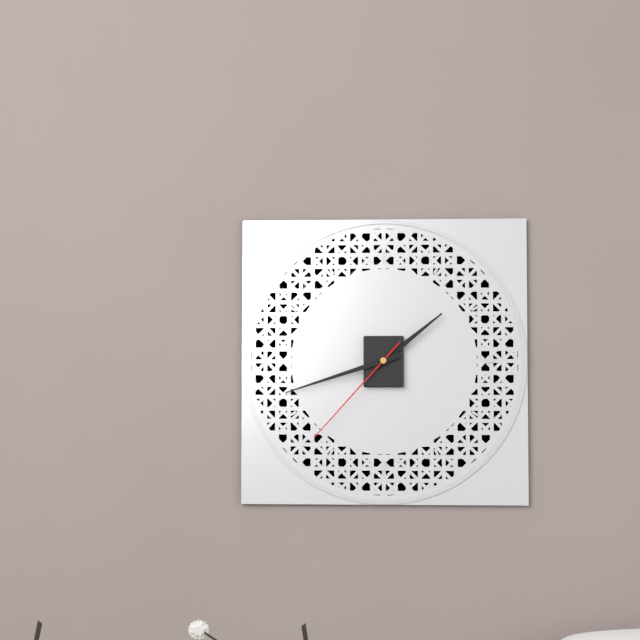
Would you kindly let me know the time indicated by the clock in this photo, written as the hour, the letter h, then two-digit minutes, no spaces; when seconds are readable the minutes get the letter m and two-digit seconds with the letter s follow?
1h42m37s
